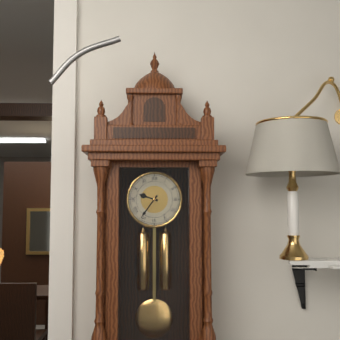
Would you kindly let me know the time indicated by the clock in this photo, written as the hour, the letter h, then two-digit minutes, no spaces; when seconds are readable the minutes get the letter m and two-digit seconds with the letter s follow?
9h36
